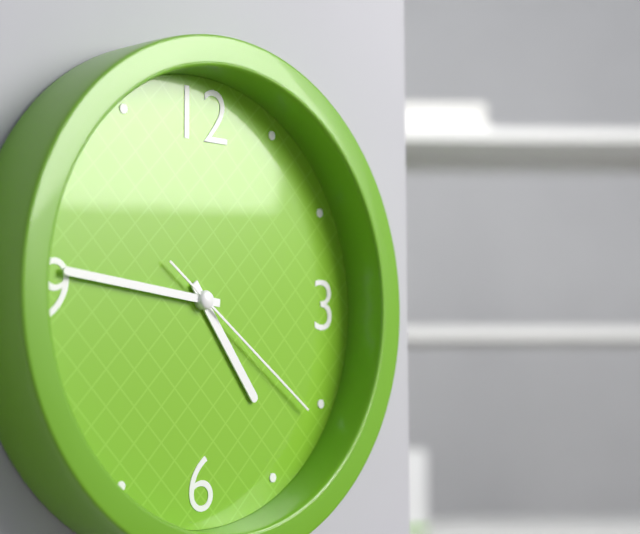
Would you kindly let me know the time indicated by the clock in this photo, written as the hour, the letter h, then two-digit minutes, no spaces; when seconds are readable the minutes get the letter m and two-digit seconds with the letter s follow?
4h46m21s
